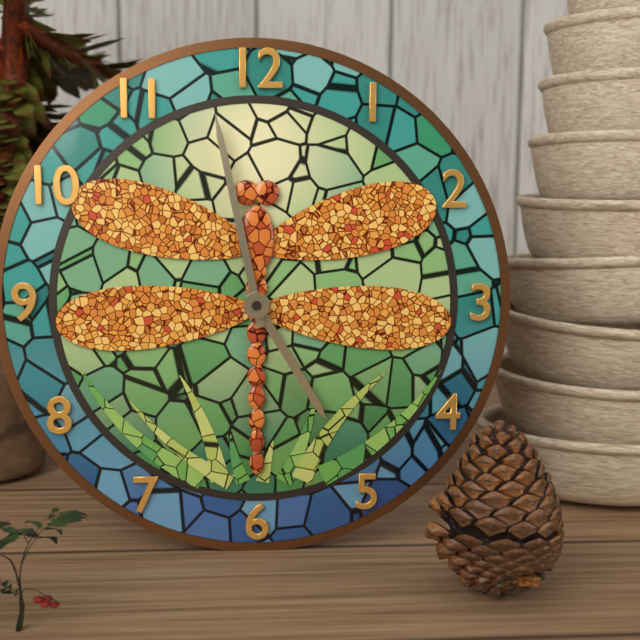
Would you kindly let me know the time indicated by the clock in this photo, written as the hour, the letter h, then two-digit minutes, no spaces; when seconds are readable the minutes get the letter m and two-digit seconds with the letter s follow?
4h58
